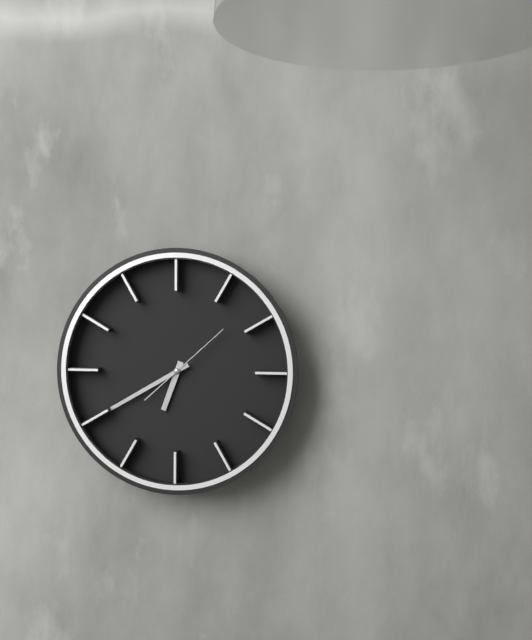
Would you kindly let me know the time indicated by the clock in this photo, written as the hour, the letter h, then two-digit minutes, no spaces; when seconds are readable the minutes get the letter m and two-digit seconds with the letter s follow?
6h40m08s
